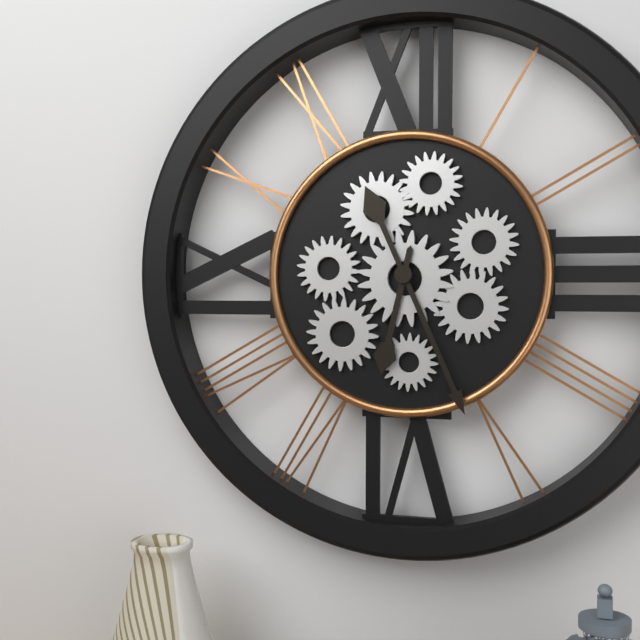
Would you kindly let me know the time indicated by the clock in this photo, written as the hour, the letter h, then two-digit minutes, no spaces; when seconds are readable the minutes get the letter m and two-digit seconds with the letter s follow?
6h26
